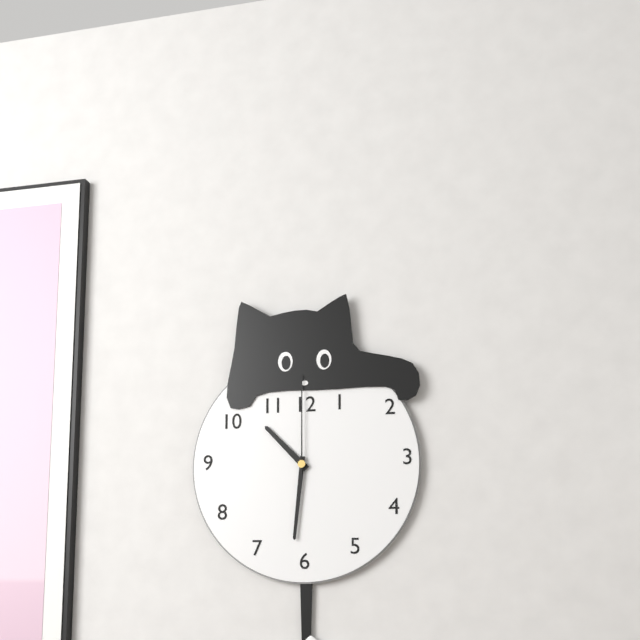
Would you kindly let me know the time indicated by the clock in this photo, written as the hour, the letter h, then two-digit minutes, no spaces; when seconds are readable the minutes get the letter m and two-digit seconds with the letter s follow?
10h31m00s
